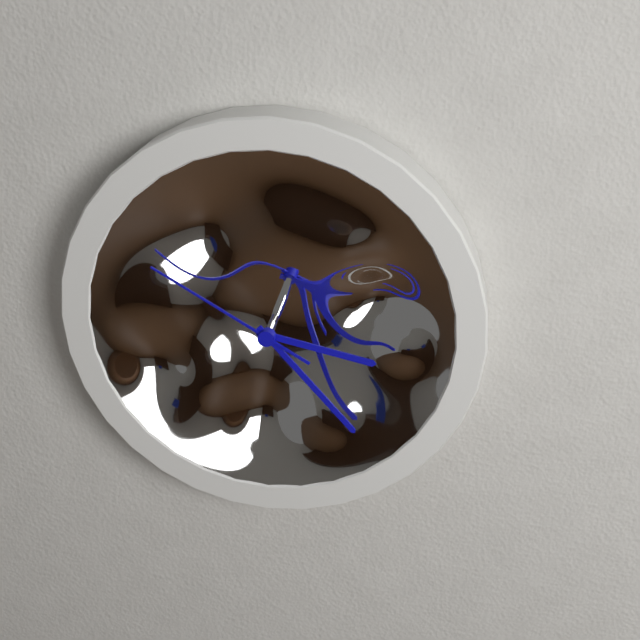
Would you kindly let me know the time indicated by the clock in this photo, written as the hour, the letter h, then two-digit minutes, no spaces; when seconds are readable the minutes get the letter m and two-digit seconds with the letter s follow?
3h23m50s
